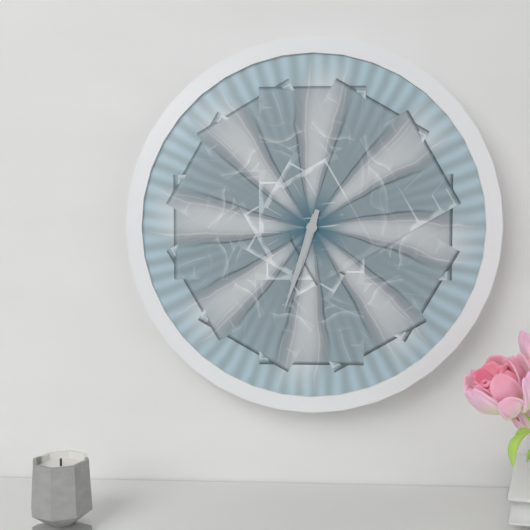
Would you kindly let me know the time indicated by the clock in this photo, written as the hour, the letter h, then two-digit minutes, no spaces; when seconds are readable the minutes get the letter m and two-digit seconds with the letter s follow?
6h33
